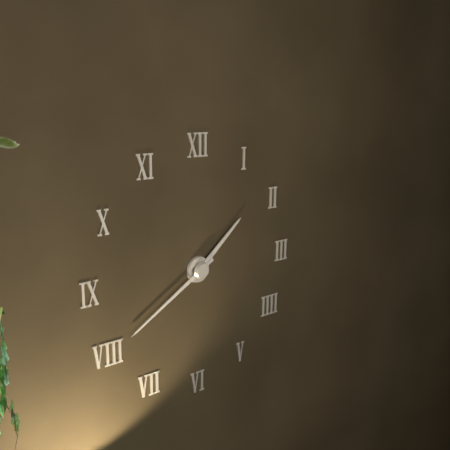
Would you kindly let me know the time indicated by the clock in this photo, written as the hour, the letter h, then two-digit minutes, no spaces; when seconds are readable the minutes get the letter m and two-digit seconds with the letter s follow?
1h40
